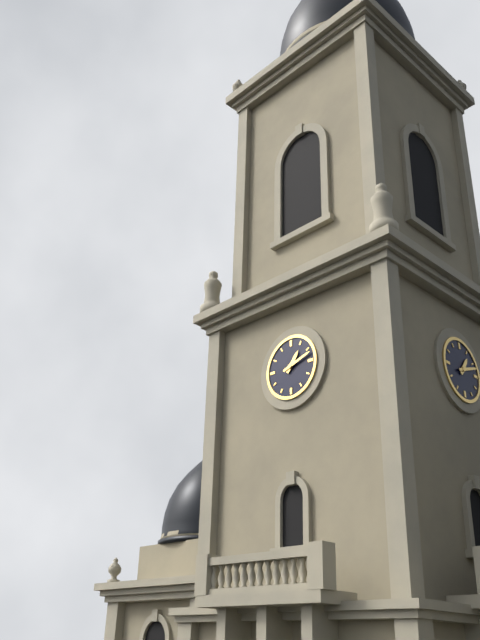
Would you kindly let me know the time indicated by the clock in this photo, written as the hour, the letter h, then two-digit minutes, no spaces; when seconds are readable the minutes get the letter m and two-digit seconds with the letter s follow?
1h12
